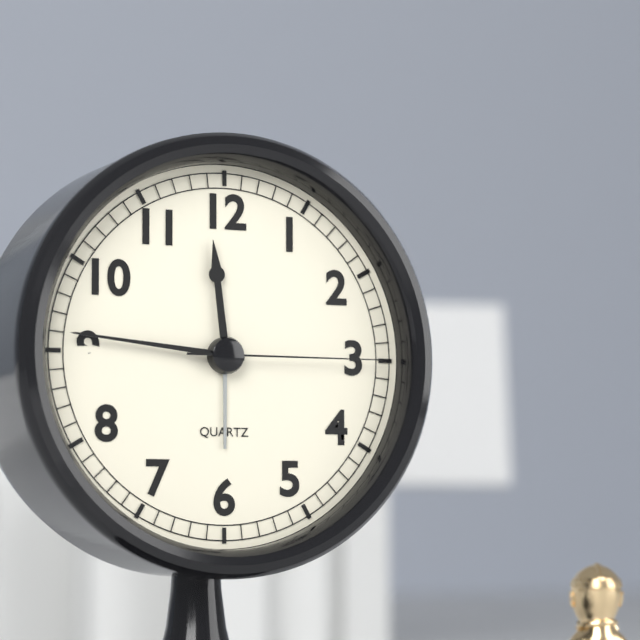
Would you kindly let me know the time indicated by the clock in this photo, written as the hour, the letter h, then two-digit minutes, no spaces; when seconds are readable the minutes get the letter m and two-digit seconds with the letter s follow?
11h46m15s
